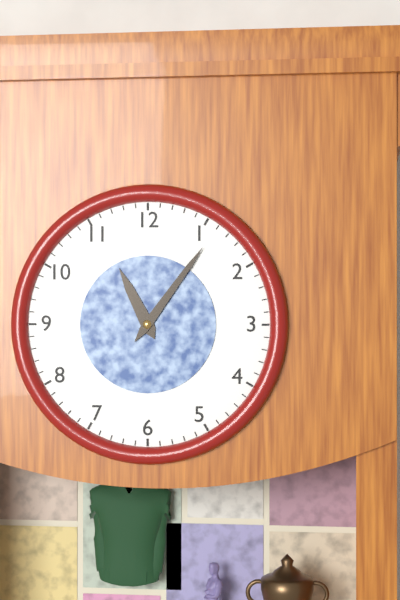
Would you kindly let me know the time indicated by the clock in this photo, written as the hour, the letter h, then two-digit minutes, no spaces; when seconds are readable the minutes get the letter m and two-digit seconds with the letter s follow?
11h06
